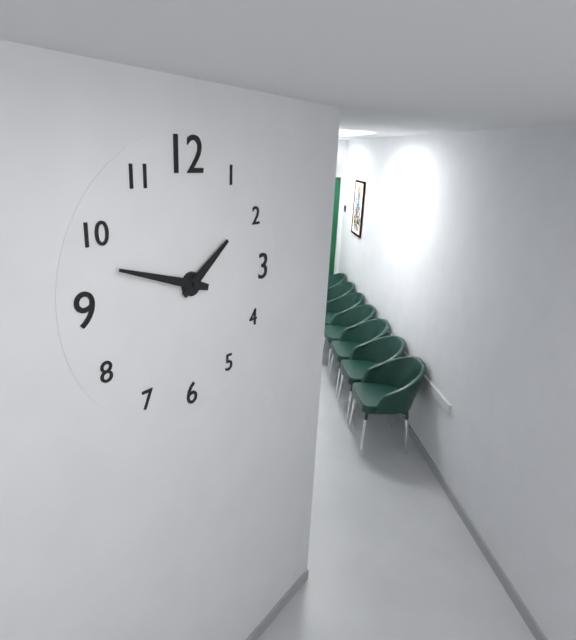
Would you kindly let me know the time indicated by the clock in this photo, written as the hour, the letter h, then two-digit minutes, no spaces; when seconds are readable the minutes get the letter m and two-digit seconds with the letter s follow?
1h48
